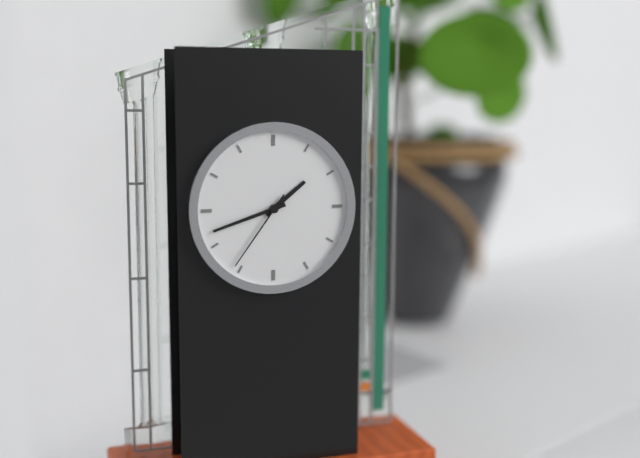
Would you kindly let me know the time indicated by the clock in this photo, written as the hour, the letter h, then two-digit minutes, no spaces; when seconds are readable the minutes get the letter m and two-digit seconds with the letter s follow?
1h42m36s
